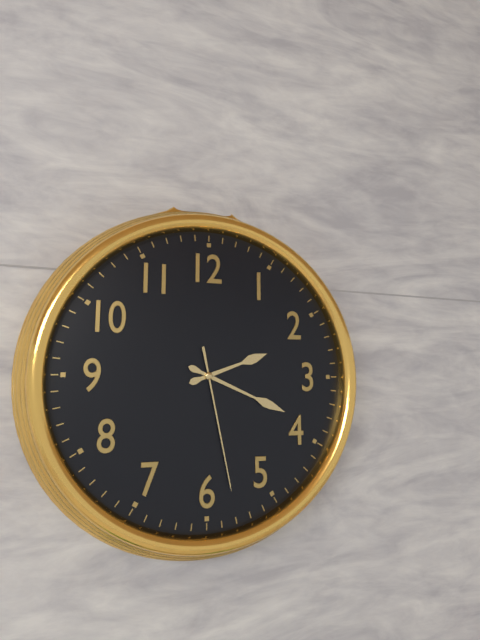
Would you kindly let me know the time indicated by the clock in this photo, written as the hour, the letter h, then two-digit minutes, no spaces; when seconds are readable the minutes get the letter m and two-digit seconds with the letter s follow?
2h19m28s
